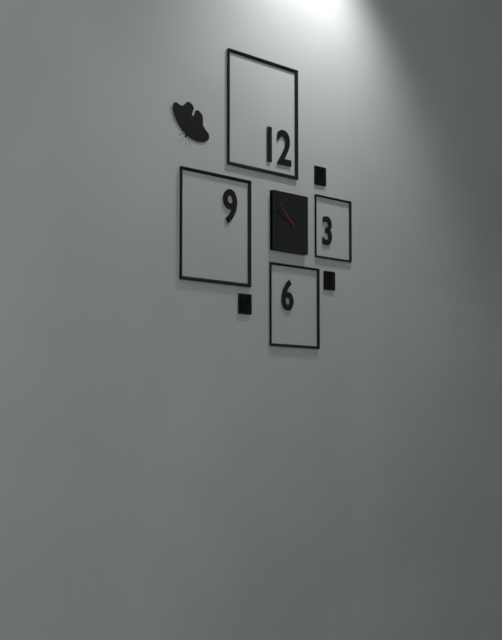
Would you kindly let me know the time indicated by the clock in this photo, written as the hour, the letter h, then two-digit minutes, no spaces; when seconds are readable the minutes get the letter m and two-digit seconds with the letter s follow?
8h49
